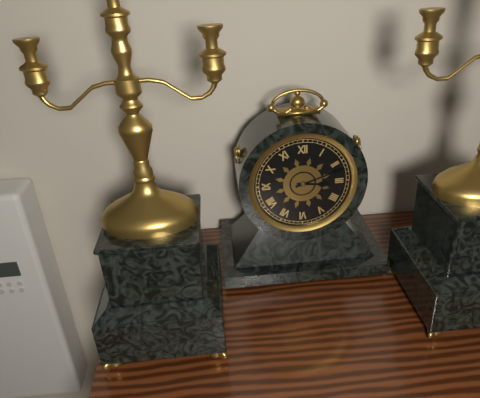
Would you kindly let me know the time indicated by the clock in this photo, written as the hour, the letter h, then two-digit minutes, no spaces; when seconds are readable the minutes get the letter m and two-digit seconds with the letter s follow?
3h12
